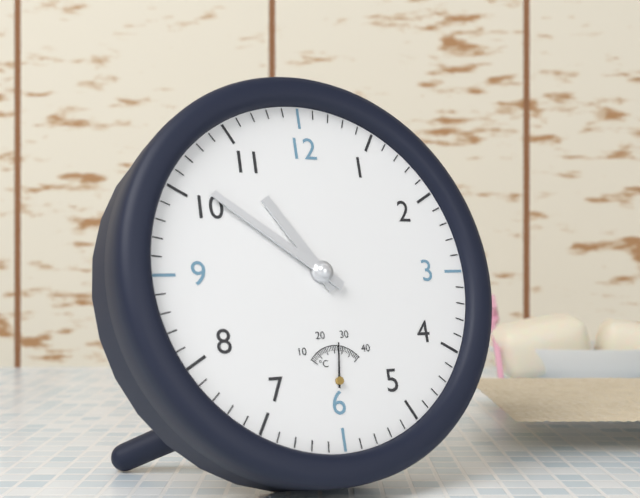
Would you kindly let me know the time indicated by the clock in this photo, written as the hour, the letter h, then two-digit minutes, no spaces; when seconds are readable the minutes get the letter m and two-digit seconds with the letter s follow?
10h51
